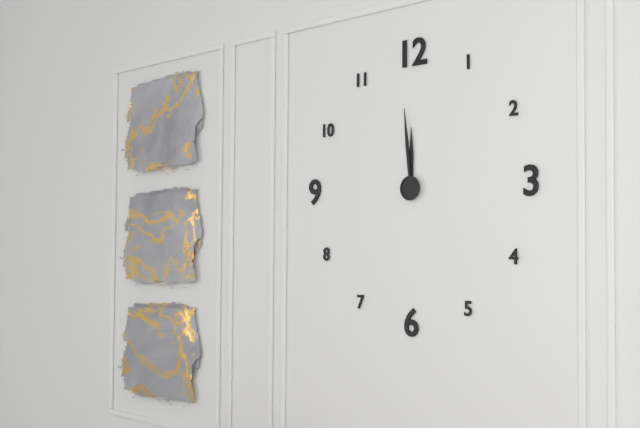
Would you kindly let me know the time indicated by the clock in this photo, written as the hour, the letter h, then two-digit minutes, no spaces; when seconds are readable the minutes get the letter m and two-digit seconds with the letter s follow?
11h59
